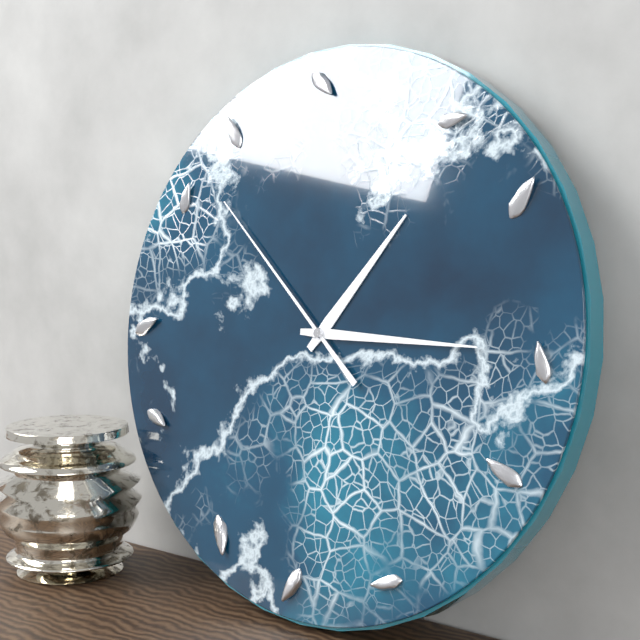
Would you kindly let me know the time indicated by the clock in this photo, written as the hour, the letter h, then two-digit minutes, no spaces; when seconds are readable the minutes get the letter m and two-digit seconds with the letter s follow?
1h15m52s
